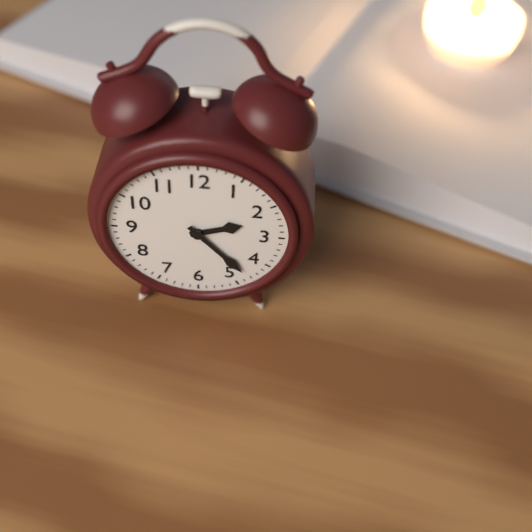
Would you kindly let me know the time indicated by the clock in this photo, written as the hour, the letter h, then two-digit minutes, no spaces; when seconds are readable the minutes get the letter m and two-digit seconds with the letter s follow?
2h23
